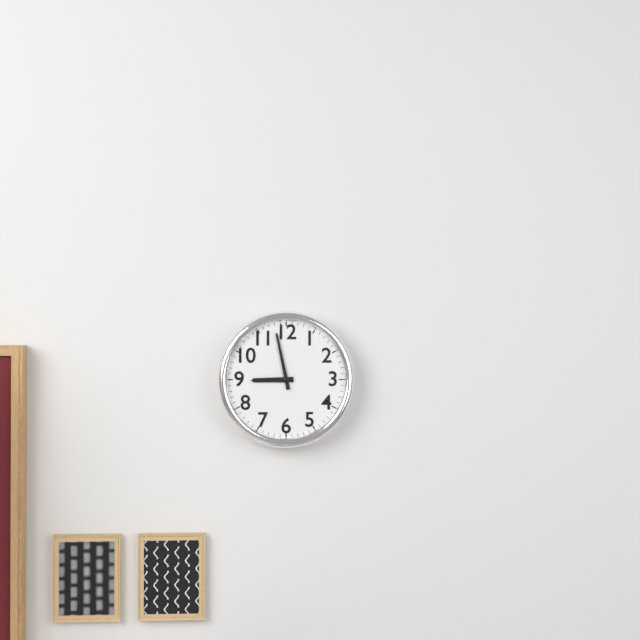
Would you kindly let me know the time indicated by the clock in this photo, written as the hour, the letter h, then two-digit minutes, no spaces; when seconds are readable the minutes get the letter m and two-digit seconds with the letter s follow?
8h58
